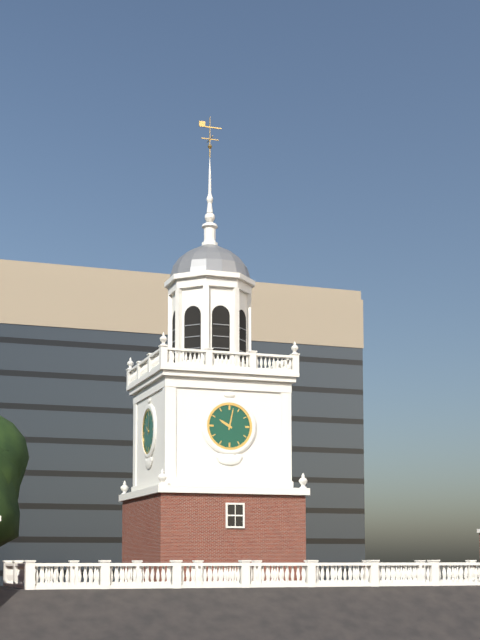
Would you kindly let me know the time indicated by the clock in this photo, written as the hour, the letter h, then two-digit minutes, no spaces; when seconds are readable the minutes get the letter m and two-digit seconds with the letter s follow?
10h02
